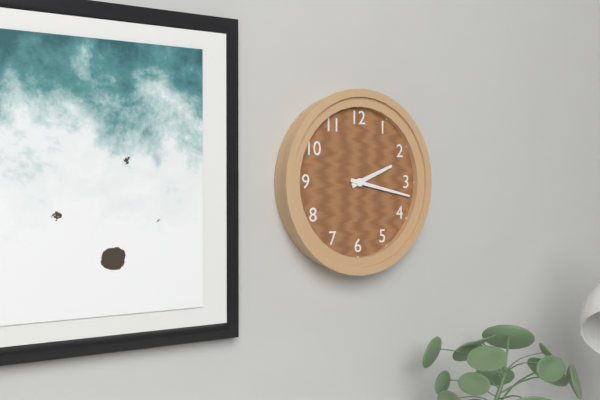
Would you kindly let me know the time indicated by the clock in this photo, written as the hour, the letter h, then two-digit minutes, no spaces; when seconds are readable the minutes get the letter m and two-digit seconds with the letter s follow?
2h17
